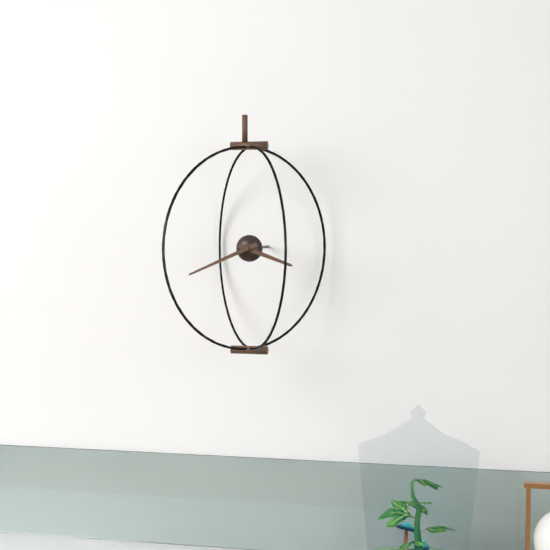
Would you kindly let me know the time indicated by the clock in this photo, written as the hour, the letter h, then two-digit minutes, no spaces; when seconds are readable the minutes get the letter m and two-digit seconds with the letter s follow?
3h41
